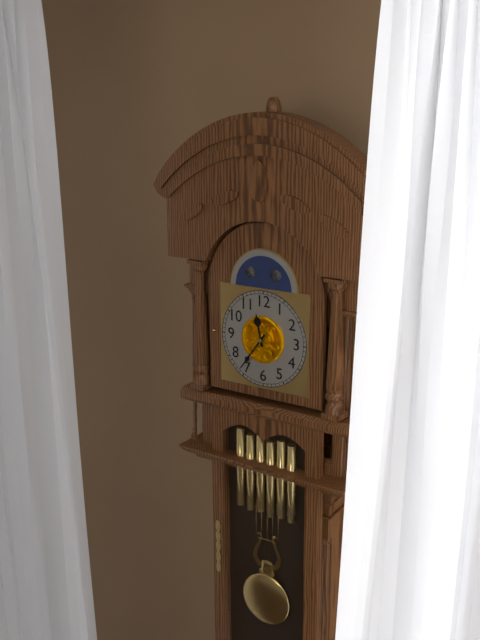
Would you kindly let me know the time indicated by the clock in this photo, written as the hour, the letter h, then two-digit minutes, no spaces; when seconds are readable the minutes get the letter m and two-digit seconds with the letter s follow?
11h36
